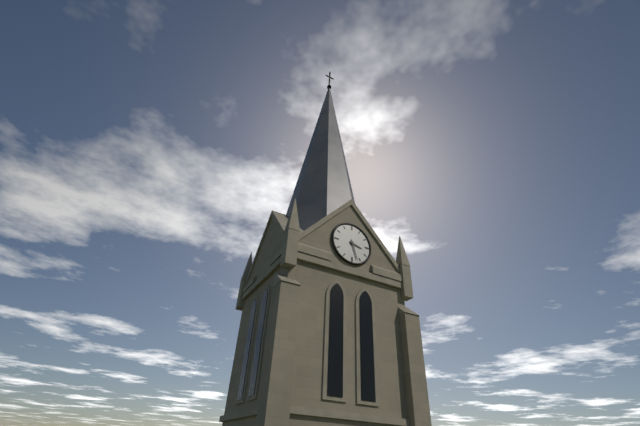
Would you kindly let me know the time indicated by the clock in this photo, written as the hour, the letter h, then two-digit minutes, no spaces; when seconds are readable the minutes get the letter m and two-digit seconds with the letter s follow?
3h27
